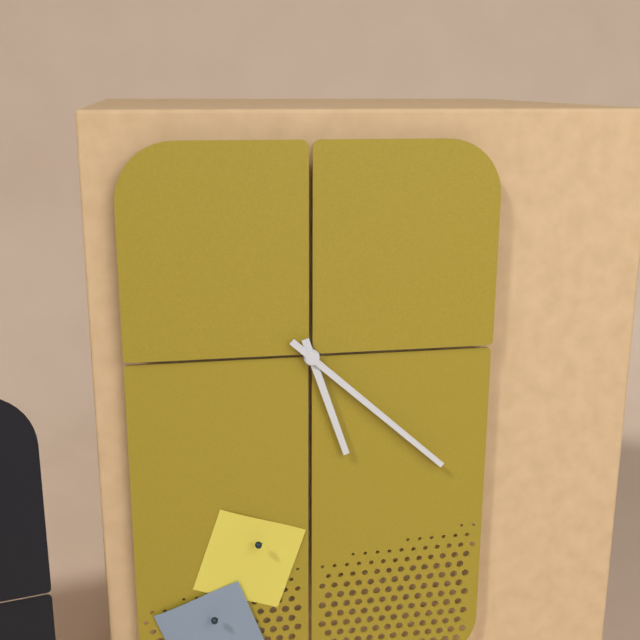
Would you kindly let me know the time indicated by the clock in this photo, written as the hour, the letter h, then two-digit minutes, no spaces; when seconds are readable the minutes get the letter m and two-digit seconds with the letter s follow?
5h22
